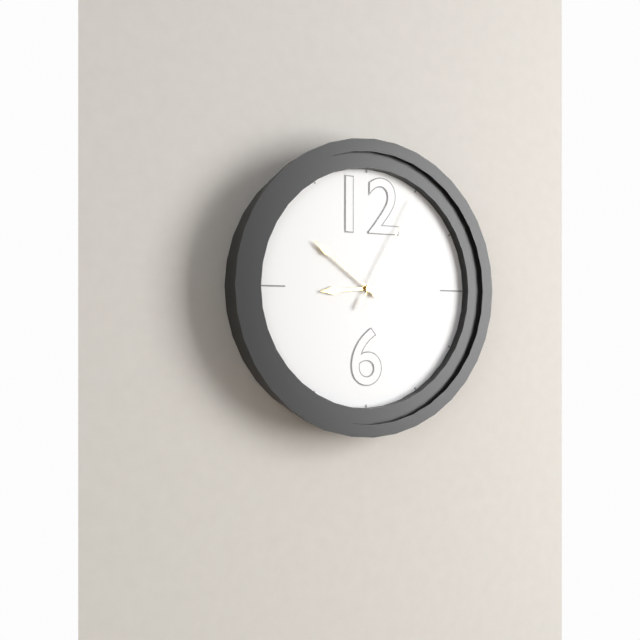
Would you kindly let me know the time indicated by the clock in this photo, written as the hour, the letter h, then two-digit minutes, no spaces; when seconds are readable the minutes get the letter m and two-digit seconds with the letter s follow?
8h51m05s
